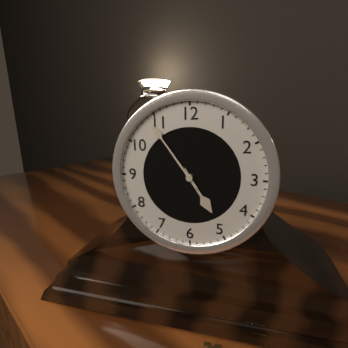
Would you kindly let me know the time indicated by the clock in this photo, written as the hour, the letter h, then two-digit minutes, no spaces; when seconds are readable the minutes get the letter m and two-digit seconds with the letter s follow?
4h54
